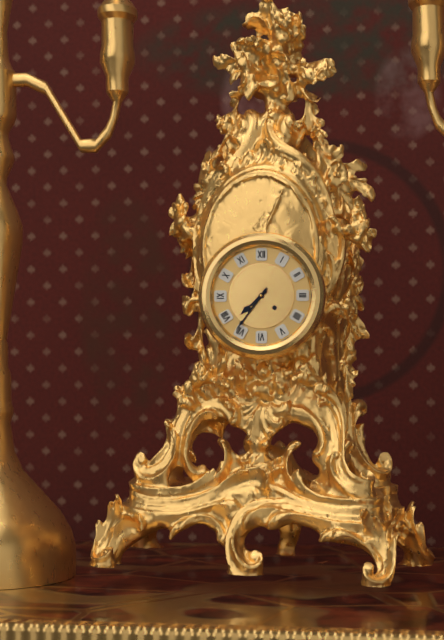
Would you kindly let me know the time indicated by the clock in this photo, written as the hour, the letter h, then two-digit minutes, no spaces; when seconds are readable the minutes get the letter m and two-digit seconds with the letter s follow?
7h36
